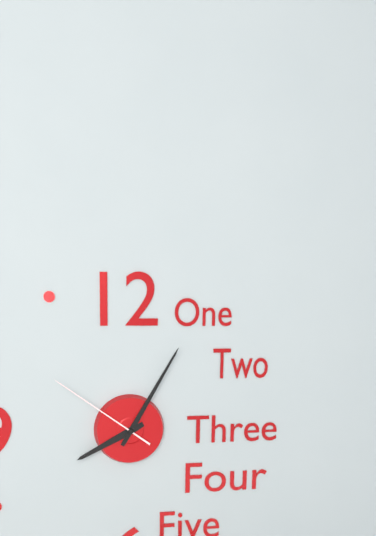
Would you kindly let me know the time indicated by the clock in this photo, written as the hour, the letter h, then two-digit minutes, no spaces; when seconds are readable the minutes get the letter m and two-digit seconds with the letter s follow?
8h05m51s
